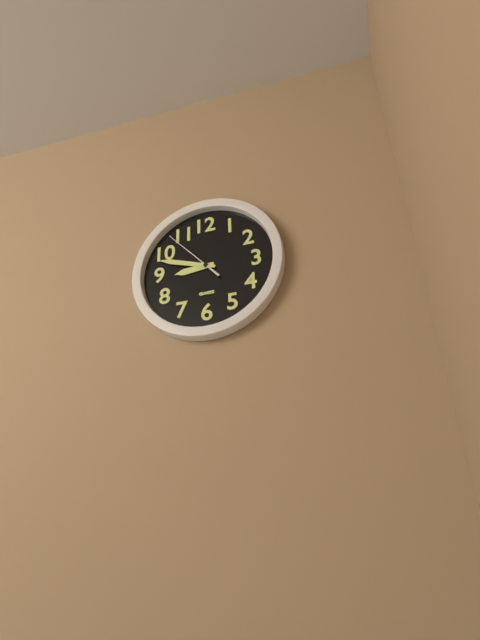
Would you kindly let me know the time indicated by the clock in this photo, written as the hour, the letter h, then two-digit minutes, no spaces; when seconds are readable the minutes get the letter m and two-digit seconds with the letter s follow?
8h48m53s
